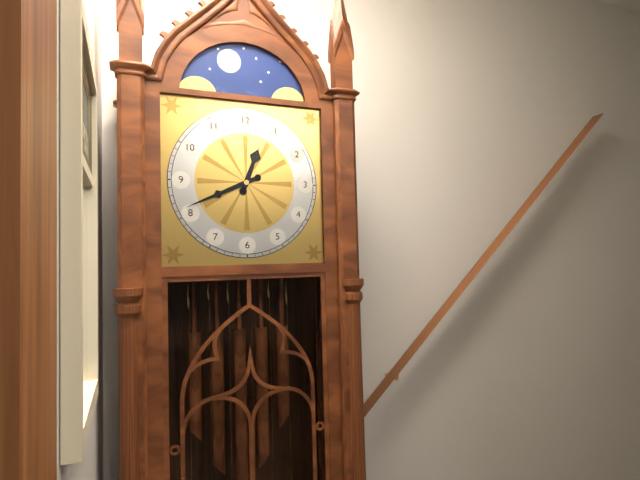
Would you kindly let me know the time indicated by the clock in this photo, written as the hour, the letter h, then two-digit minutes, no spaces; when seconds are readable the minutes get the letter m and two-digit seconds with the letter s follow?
12h41
